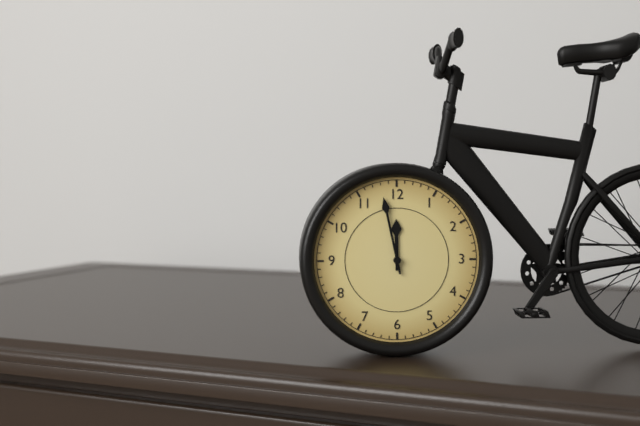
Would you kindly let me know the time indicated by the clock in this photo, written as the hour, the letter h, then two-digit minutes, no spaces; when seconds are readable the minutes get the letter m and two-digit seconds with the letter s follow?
11h58
